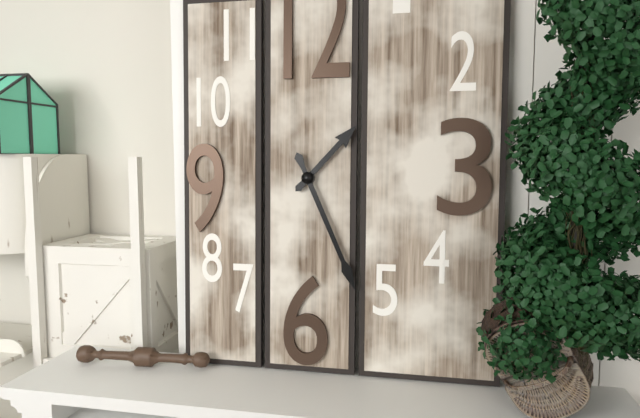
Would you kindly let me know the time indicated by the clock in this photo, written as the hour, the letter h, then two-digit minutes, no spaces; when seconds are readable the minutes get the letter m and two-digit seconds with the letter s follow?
1h26
